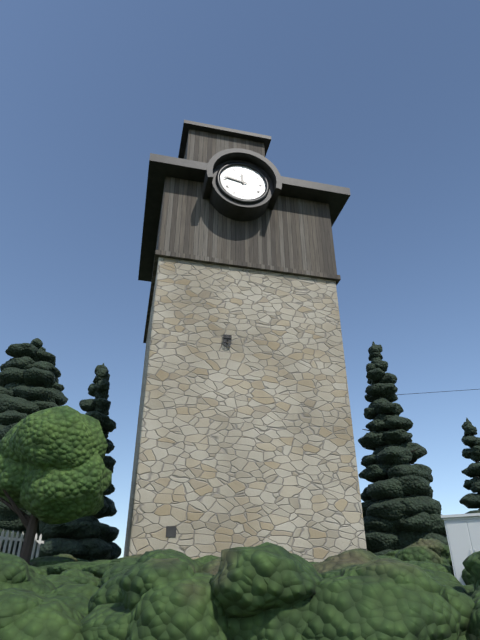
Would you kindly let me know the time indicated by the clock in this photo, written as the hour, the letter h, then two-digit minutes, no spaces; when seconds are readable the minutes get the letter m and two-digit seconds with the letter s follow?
11h47
